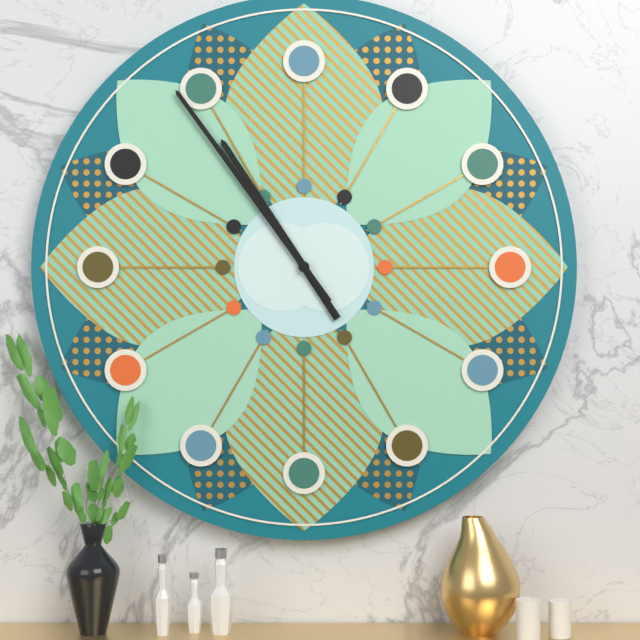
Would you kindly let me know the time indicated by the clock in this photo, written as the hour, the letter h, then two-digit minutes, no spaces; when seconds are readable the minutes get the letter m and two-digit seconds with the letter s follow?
10h54
